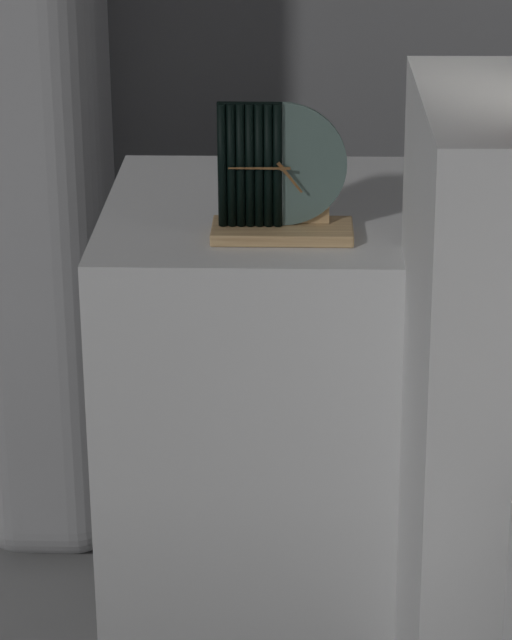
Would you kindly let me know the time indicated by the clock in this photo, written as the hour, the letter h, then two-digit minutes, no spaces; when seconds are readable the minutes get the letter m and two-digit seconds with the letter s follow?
4h45
